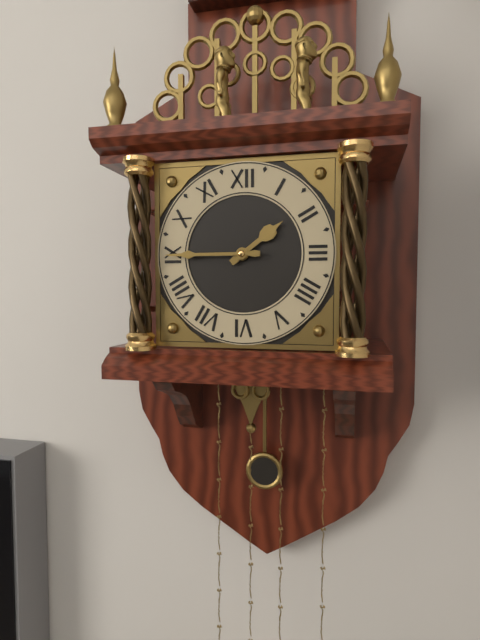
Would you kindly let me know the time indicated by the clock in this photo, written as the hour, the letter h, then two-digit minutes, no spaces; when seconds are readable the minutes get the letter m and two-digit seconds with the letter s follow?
1h45
